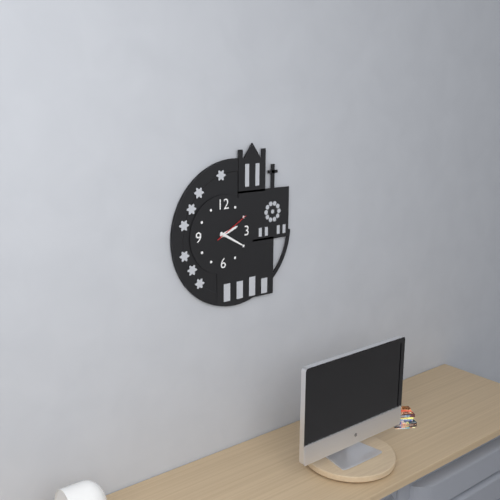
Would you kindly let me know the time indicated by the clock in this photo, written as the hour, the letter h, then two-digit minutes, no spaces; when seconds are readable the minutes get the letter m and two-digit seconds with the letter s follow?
2h20
